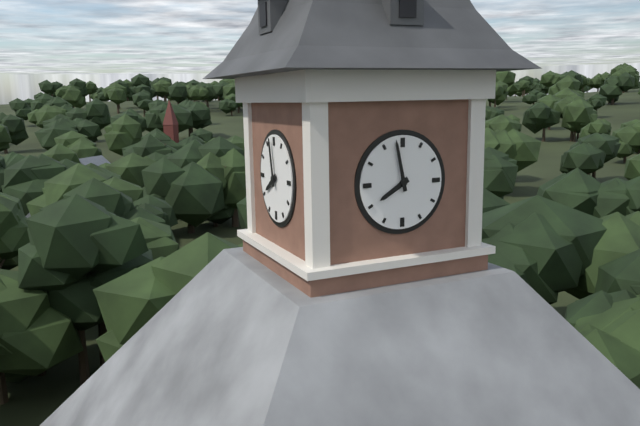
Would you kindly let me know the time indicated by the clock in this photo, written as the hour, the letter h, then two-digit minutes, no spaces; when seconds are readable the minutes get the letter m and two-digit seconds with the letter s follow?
7h58
